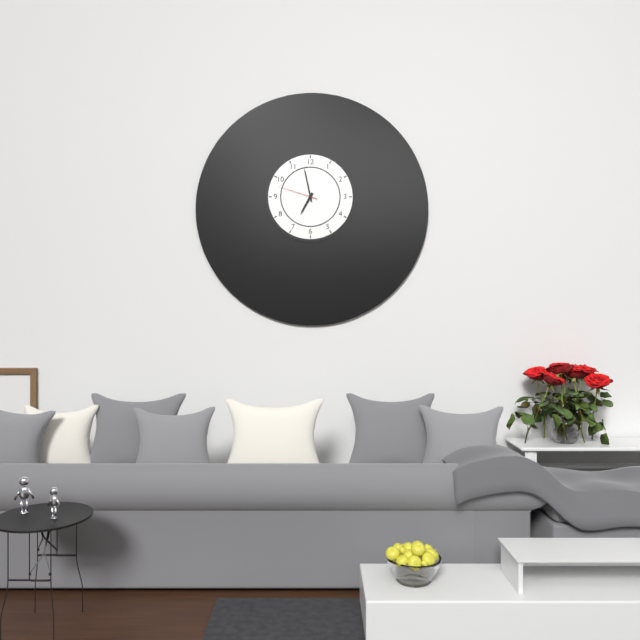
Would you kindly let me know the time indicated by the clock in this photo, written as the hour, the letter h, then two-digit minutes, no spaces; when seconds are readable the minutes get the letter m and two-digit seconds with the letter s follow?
6h58
